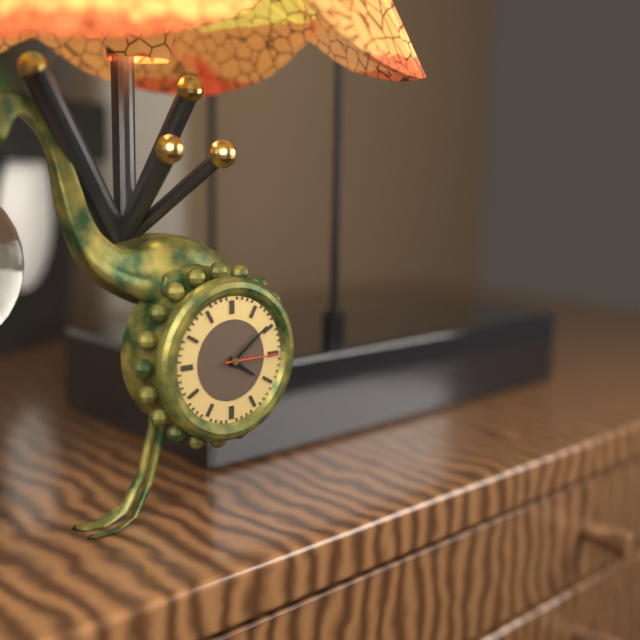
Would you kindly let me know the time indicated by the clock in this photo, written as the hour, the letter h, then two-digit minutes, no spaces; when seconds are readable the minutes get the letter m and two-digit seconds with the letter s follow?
4h09m15s
